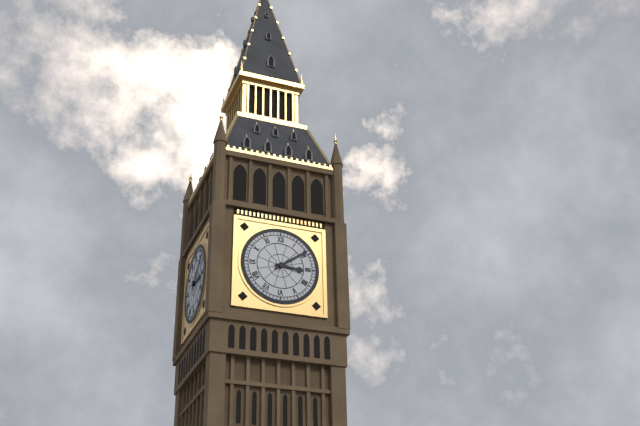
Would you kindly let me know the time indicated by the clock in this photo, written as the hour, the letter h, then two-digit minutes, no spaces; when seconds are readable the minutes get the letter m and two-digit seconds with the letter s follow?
3h09
